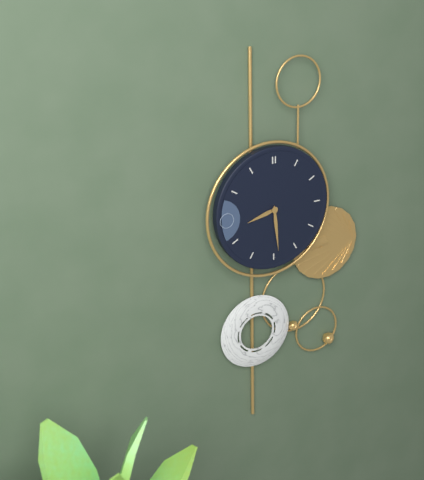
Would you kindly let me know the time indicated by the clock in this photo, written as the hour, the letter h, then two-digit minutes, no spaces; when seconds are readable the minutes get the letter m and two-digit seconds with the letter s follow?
8h29
